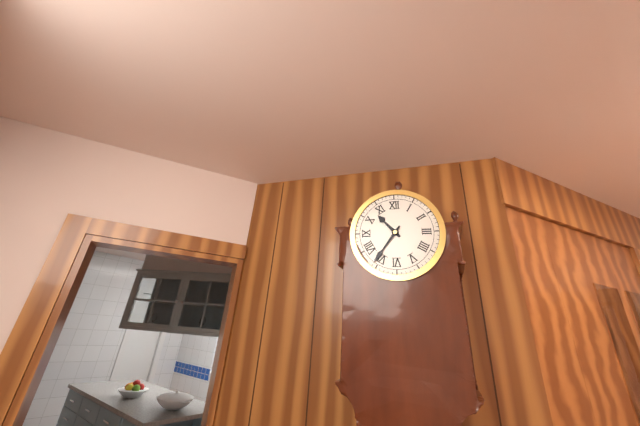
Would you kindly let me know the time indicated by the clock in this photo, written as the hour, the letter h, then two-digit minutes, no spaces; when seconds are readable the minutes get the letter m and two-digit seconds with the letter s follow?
10h36
